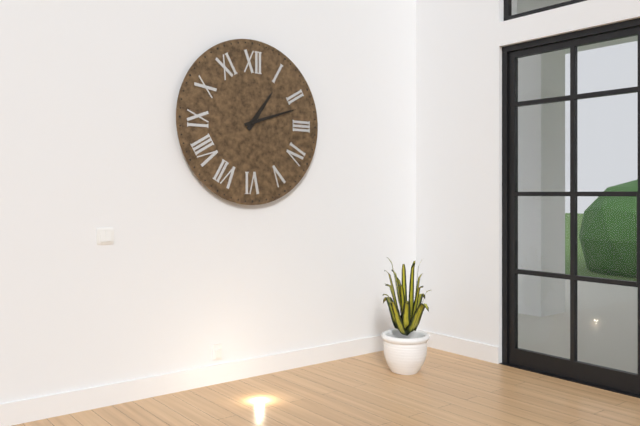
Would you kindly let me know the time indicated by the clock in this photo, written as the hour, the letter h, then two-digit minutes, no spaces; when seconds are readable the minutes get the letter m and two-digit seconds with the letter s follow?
1h12
